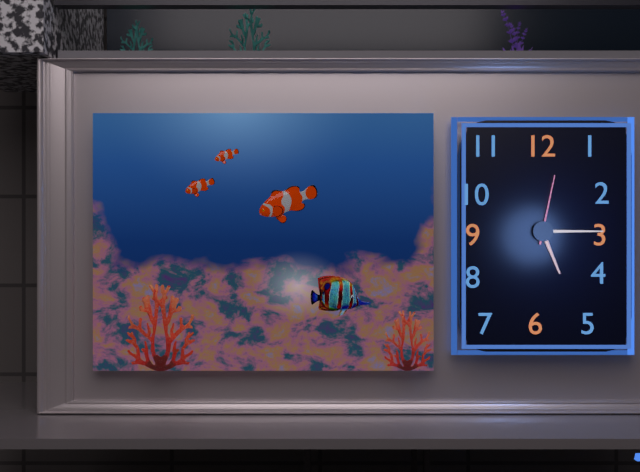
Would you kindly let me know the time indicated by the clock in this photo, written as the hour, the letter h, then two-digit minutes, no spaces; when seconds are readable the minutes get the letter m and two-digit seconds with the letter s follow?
5h15m02s
